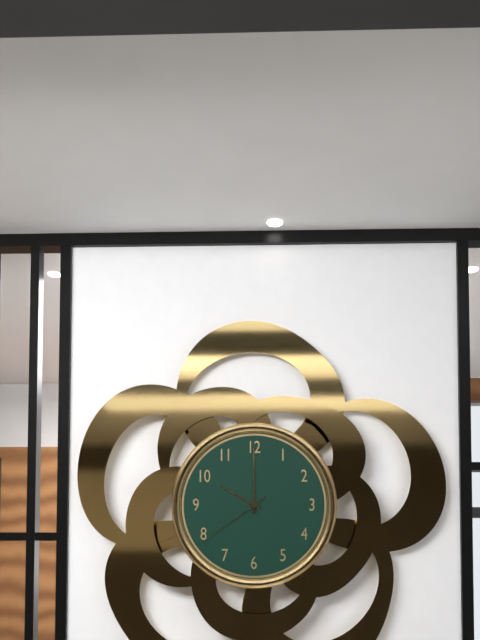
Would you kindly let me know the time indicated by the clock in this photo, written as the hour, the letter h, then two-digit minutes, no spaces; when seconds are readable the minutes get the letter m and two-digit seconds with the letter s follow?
10h00m39s
